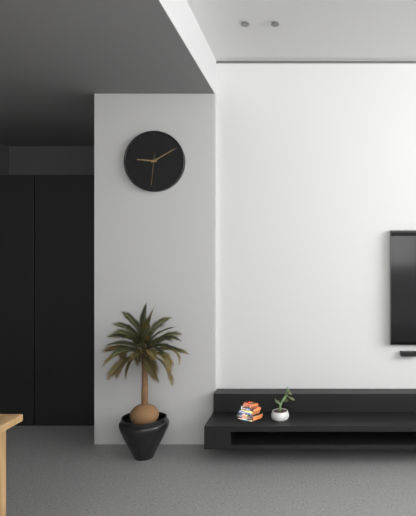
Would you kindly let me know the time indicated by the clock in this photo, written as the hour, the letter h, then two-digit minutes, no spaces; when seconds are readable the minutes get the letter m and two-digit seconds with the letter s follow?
9h10
